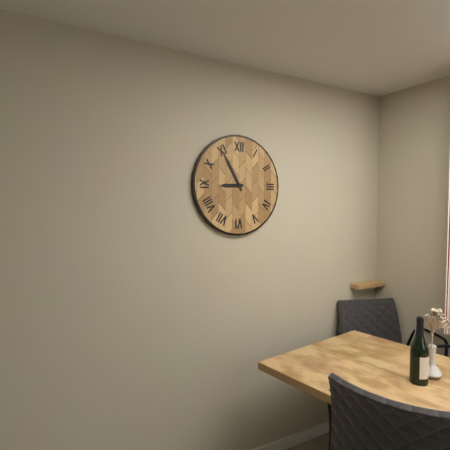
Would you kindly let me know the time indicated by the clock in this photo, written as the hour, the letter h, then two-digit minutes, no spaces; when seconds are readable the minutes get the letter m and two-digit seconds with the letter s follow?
8h55
